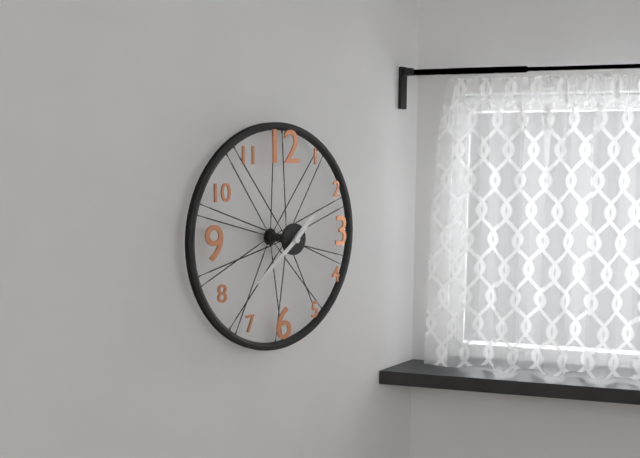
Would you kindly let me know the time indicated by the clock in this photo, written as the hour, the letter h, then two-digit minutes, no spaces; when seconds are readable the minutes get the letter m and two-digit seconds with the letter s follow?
1h39
